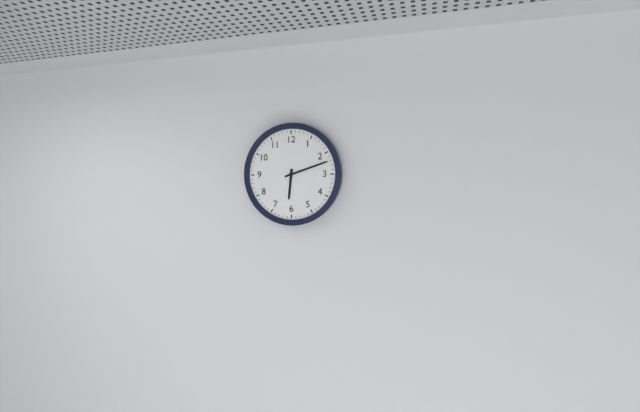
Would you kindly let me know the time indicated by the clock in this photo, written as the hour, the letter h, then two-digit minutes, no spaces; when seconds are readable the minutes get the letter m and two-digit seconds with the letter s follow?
6h12
